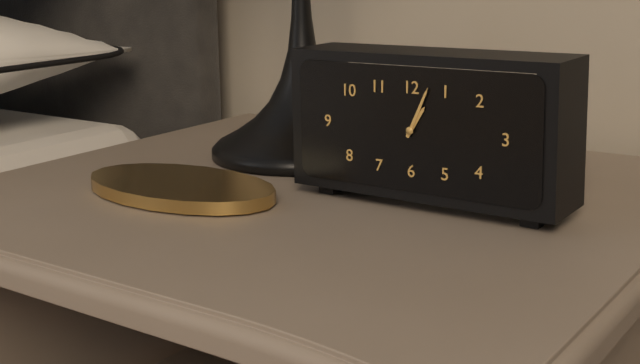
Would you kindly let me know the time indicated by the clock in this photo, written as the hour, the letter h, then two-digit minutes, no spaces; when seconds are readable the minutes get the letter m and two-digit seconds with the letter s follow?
1h04
